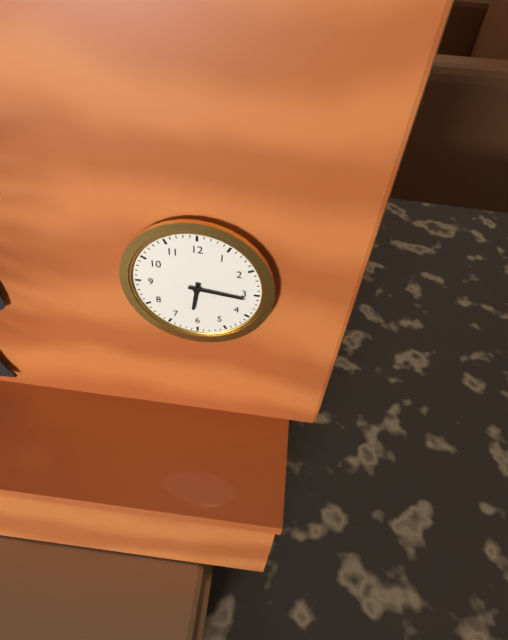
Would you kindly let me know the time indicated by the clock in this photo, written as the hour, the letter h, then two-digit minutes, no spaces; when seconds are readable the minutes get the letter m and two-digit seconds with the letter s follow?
6h16
